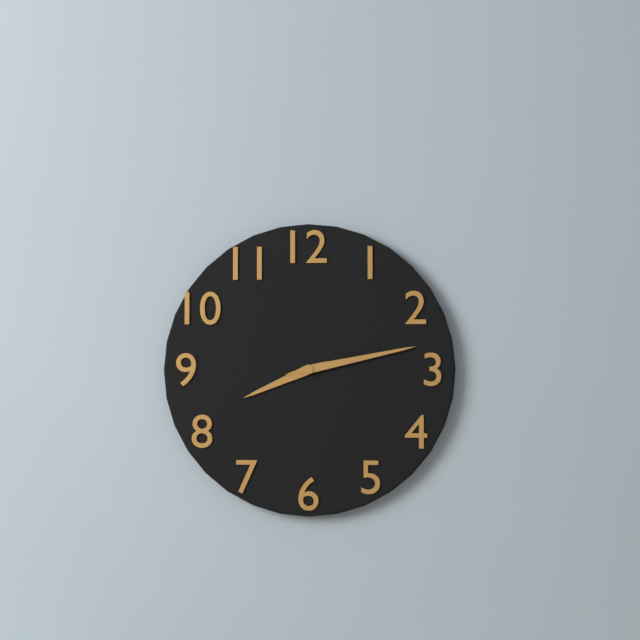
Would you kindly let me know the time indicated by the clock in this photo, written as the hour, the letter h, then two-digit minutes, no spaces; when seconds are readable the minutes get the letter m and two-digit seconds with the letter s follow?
8h13
